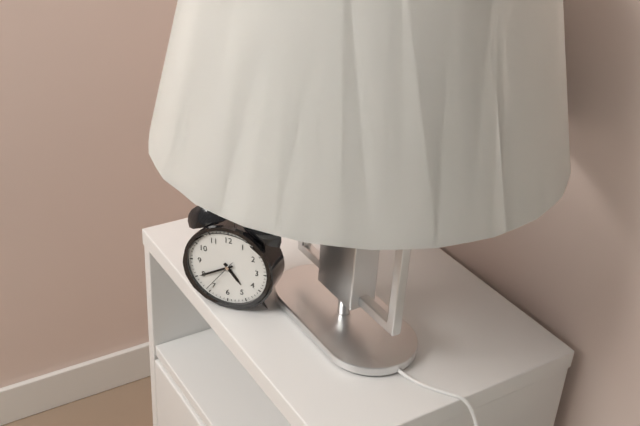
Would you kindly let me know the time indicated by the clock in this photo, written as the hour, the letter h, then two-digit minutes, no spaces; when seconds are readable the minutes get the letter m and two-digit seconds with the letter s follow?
4h40
